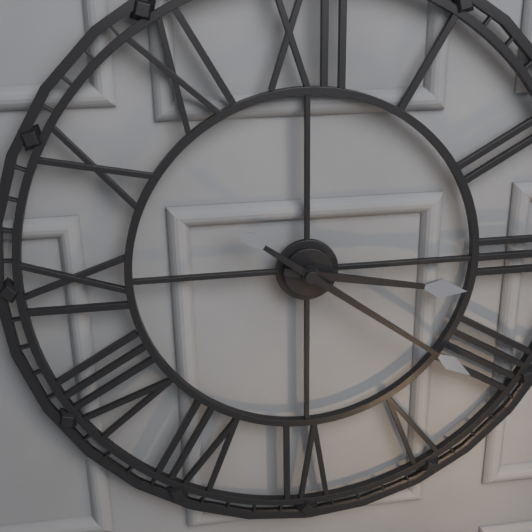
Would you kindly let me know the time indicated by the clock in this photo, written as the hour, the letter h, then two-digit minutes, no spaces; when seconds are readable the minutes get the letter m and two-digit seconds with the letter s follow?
3h21
